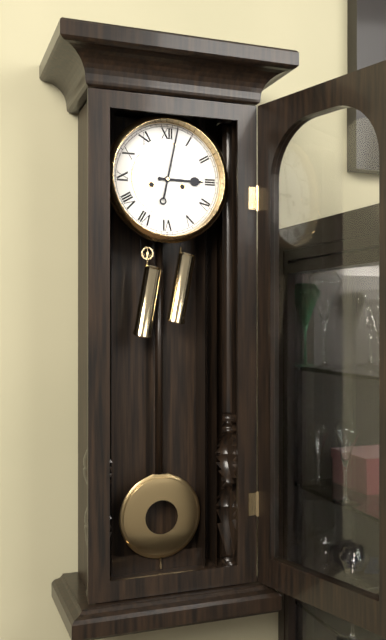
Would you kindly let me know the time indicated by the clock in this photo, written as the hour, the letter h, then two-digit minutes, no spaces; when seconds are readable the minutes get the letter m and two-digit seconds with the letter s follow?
3h02
